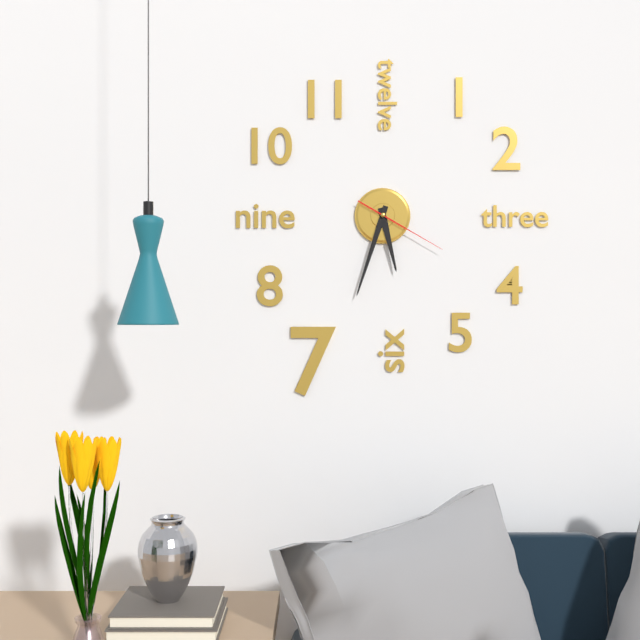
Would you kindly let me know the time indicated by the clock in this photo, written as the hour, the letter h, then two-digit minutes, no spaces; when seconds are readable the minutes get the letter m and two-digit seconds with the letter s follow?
5h33m20s
